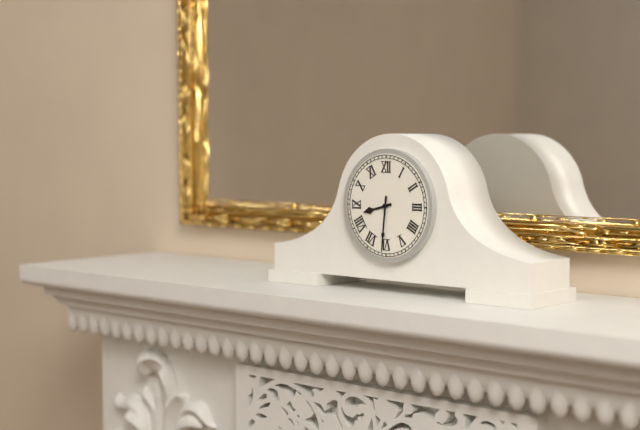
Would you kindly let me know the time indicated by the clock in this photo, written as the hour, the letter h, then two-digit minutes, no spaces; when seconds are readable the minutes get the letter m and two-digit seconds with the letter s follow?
8h31
